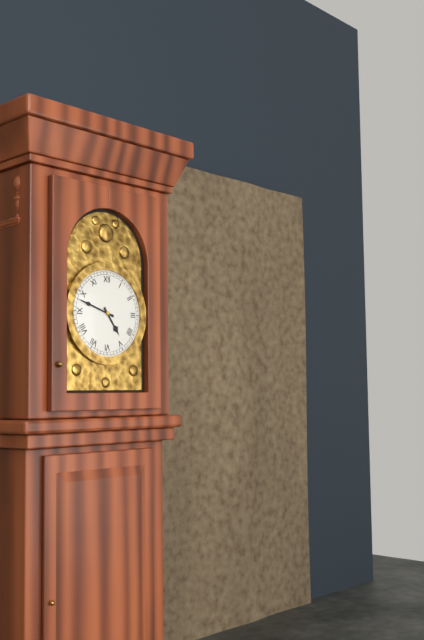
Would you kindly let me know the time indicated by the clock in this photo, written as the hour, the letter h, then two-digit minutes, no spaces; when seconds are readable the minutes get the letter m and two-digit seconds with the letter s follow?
4h48
